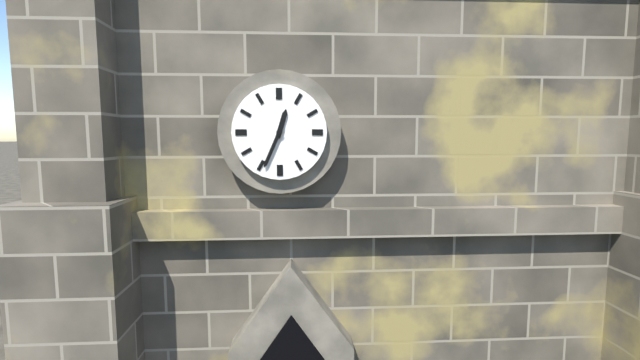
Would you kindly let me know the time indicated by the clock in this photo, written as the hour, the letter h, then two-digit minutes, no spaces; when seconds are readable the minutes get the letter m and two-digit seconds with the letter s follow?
12h34
